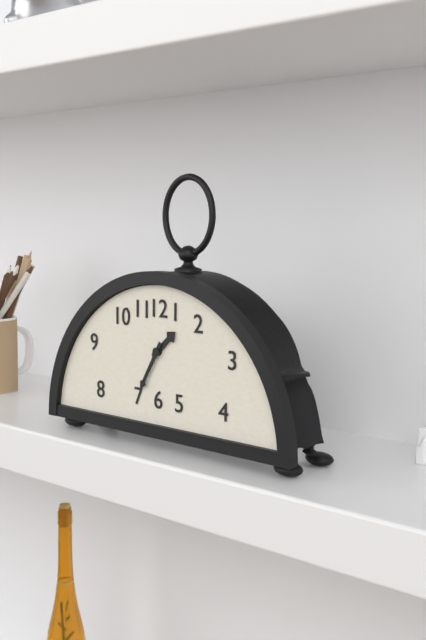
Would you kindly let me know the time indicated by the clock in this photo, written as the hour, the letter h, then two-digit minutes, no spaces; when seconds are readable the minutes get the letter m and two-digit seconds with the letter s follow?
1h35
